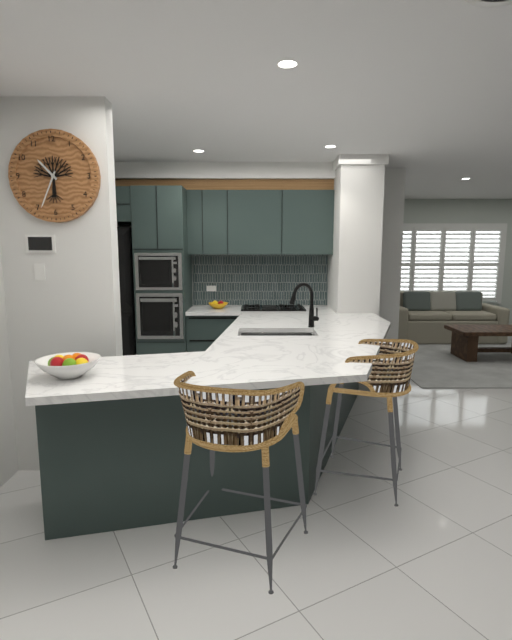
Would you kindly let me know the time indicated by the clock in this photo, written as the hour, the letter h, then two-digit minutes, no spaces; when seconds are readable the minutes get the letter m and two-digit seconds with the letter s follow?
10h34
